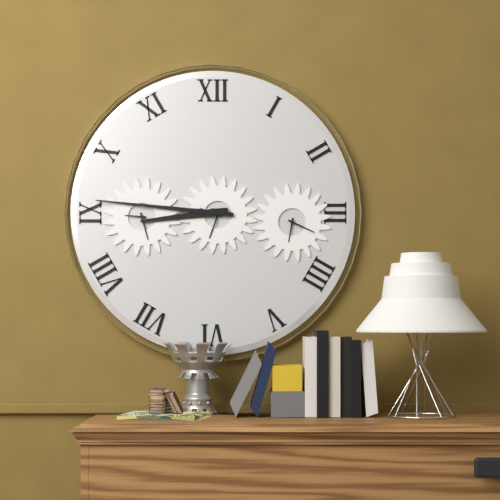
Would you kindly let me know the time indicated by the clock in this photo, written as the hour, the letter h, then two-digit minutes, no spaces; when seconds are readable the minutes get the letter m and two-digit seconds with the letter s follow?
8h46
